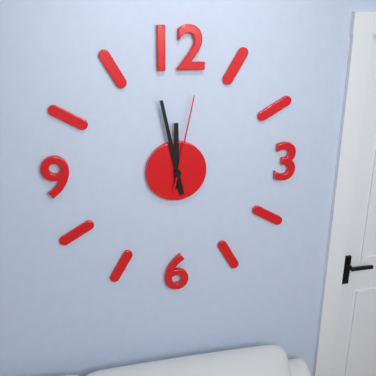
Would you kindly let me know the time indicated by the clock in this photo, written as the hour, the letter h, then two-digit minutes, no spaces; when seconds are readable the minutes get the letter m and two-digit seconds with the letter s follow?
11h58m02s
